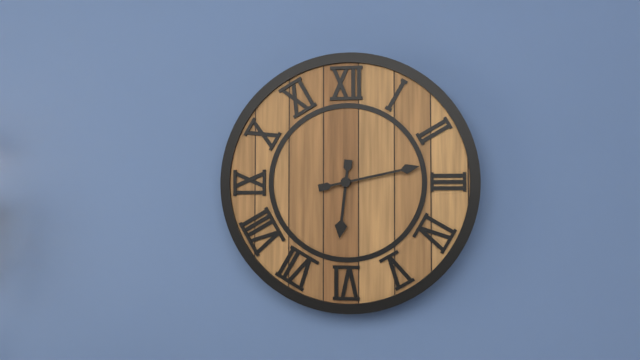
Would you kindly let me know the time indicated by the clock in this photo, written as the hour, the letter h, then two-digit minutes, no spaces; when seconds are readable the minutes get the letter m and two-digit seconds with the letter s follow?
6h13
